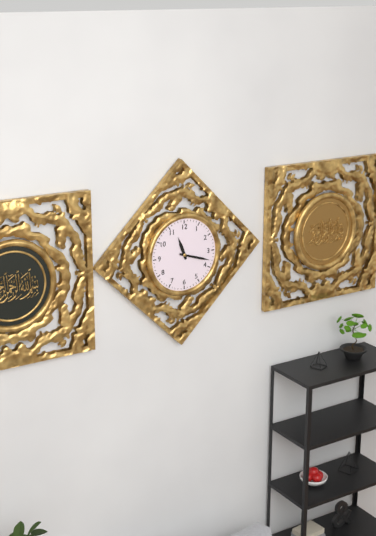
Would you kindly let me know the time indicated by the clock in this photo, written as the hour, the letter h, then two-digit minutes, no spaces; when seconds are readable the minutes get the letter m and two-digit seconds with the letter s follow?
11h18
